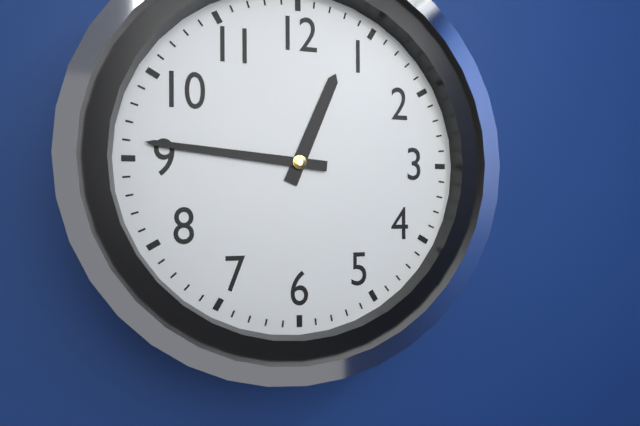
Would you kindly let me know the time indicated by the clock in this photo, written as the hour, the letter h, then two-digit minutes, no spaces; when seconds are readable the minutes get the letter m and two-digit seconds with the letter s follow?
12h46
